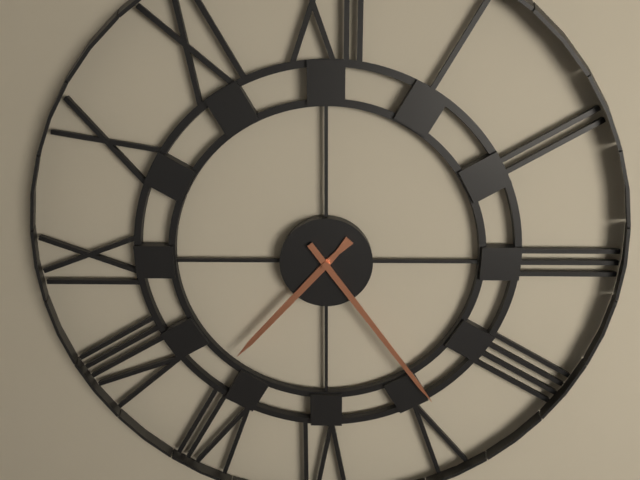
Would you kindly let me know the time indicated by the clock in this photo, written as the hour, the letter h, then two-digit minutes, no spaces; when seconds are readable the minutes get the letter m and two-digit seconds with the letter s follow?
7h24
